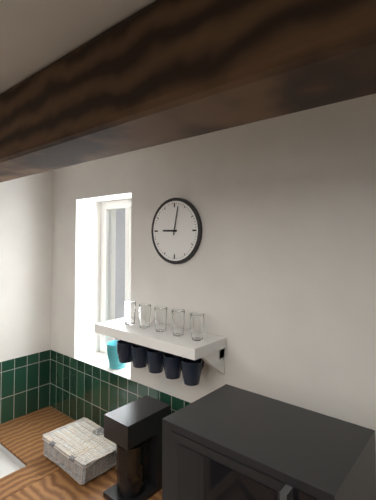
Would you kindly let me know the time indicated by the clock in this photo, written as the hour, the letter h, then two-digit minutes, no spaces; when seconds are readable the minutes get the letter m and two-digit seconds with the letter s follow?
9h02
